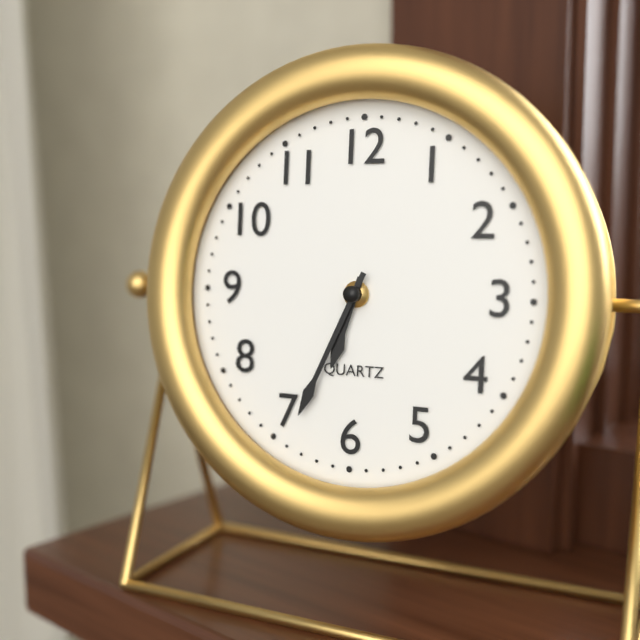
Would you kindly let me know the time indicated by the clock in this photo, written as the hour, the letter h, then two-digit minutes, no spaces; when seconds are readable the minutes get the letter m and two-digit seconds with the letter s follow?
6h34
